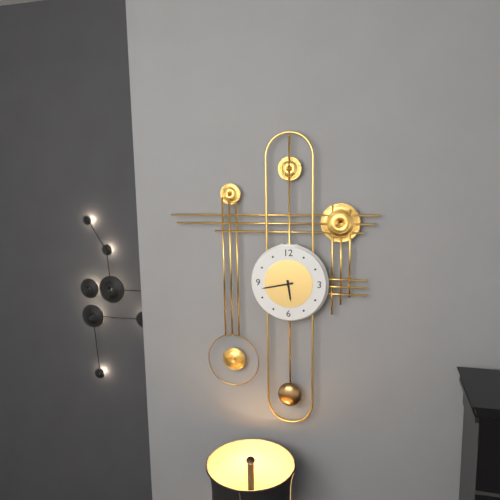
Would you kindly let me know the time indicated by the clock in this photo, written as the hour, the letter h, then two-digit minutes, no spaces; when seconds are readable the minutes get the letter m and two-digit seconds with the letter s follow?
5h43
